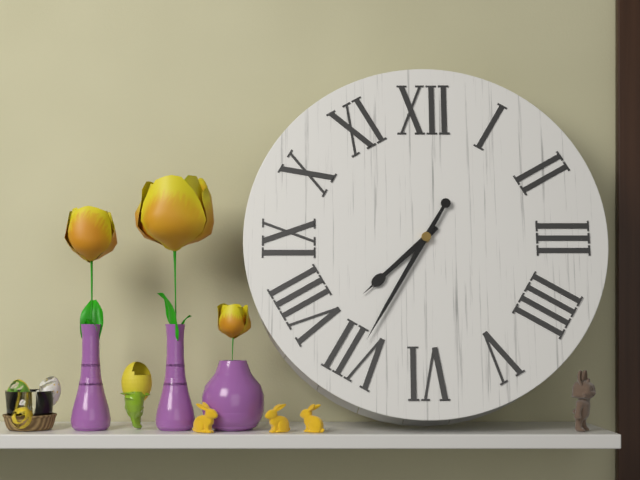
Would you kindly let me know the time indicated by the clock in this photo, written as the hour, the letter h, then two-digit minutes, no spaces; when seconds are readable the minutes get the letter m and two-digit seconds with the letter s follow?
7h35
